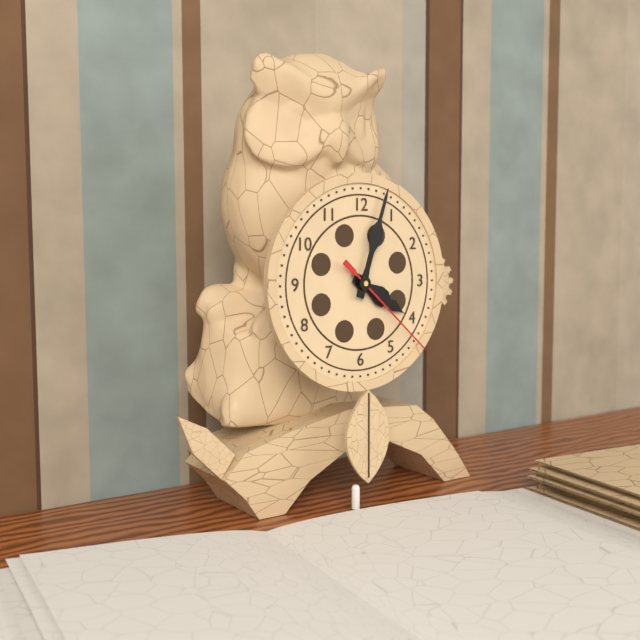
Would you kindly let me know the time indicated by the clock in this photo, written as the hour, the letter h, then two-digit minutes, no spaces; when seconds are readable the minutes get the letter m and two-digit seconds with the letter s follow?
4h03m22s
